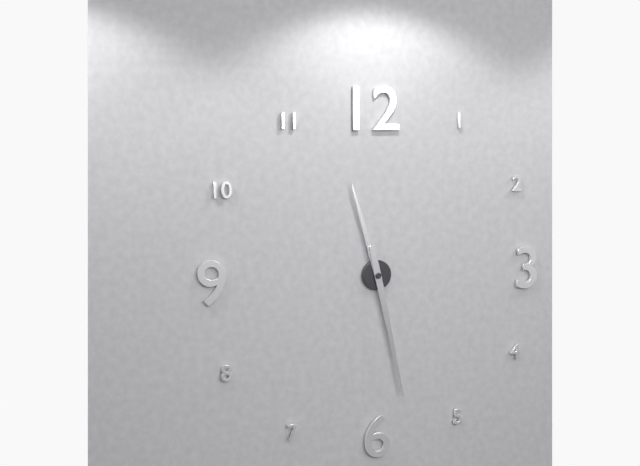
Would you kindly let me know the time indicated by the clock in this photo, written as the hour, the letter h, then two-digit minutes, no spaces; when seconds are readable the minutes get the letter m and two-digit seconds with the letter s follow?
11h28
